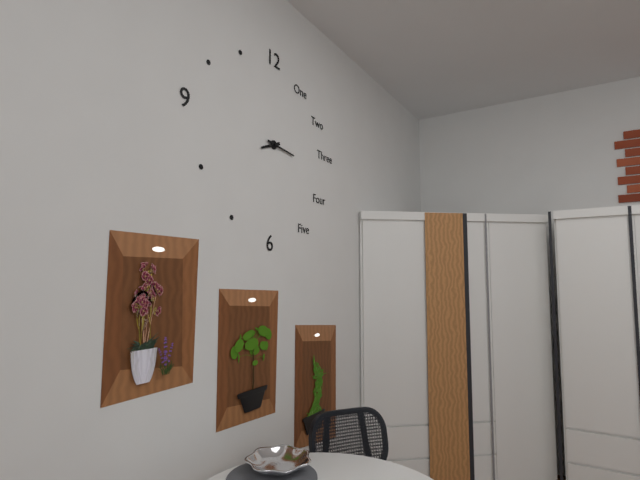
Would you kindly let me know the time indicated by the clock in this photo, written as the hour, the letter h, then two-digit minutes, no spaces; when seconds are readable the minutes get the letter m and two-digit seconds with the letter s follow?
8h16
